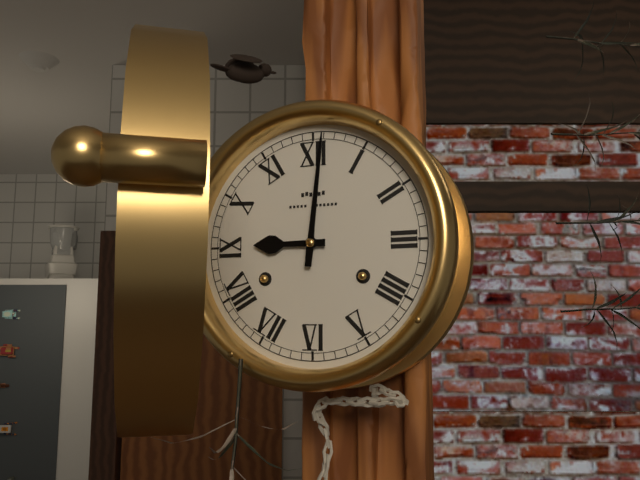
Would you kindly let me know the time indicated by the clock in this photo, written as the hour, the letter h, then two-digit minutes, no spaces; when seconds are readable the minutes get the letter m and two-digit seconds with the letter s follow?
9h01
